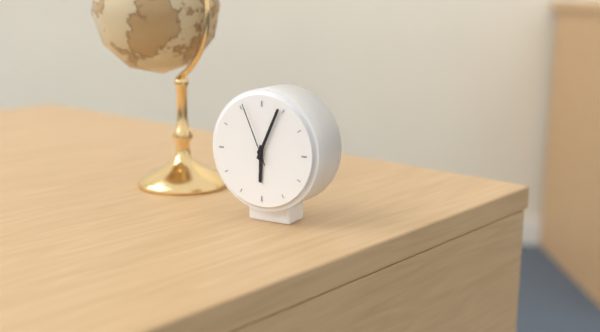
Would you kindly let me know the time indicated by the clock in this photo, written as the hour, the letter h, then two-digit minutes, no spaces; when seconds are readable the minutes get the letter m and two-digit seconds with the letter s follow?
6h04m56s
